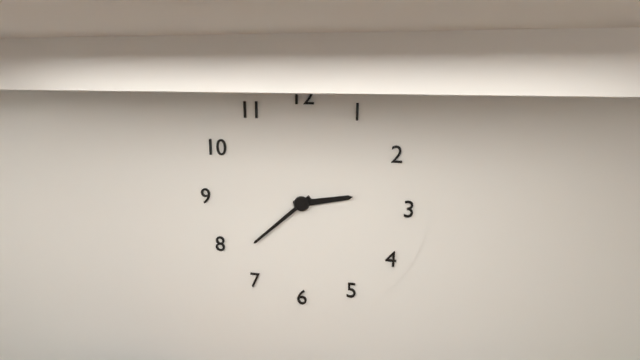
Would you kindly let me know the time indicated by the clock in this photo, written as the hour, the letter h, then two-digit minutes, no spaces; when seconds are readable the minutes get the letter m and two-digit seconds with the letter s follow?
2h38
